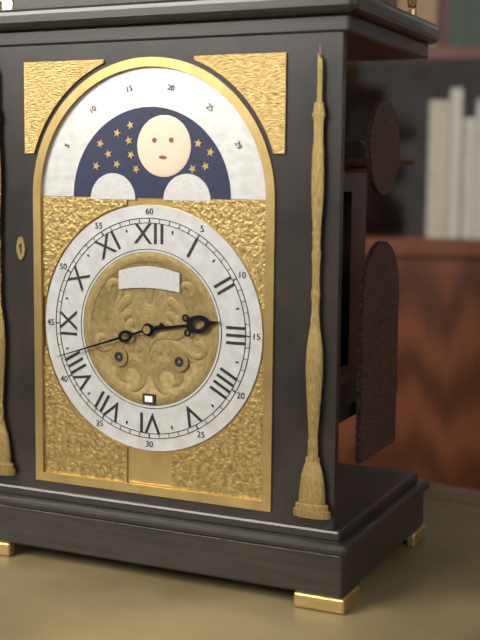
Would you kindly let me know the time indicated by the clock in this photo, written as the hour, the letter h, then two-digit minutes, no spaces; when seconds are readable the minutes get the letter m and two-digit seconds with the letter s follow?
2h42
